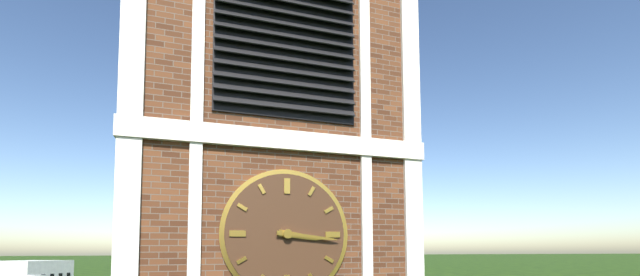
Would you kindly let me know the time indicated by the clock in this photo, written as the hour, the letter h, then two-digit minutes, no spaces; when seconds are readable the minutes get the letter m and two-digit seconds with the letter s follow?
3h16
